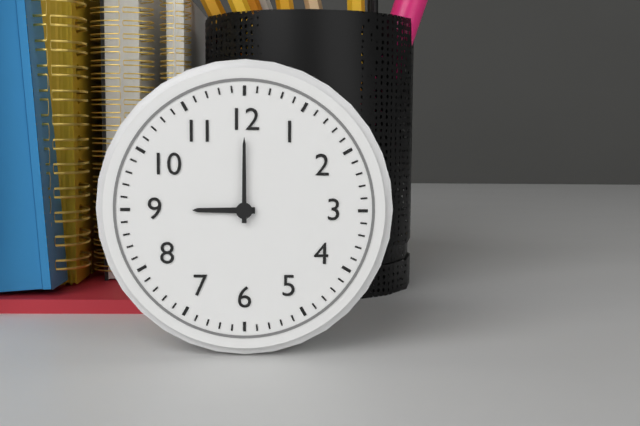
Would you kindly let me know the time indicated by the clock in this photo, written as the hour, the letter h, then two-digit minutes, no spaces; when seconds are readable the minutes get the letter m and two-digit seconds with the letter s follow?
9h00
